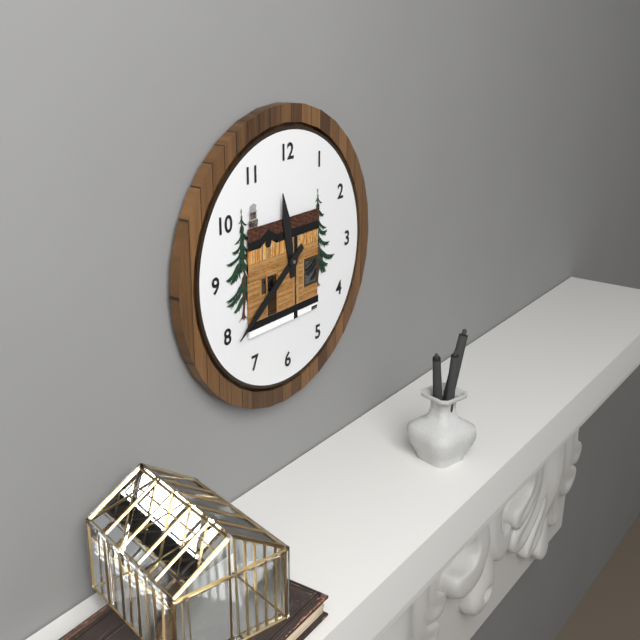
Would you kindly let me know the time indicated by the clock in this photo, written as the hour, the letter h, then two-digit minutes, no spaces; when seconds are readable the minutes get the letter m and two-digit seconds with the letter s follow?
11h39
